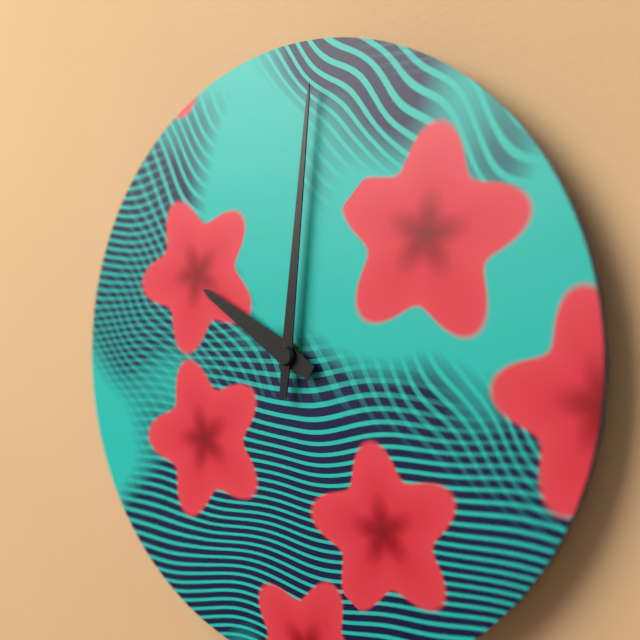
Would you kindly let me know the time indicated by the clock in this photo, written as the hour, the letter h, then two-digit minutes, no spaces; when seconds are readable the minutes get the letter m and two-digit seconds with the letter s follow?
10h01
